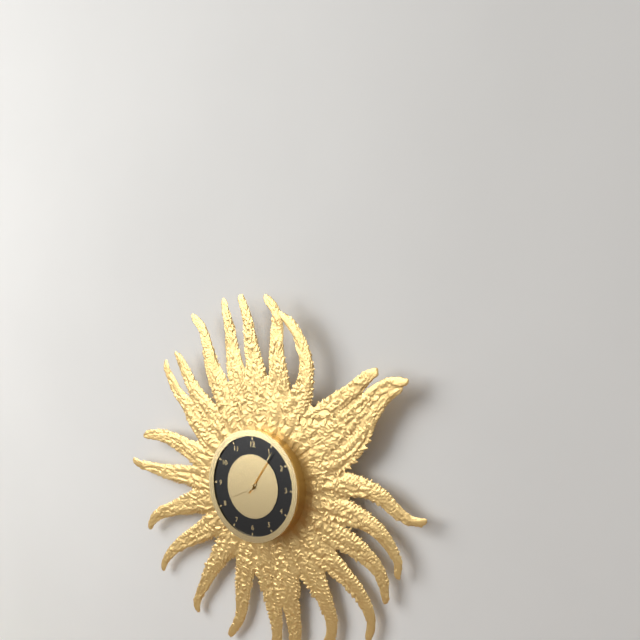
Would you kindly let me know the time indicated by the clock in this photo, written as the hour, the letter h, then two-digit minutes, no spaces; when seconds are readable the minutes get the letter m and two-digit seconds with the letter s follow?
8h06
